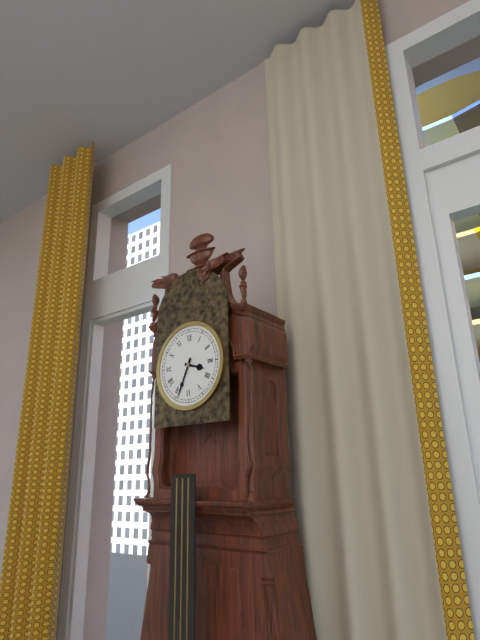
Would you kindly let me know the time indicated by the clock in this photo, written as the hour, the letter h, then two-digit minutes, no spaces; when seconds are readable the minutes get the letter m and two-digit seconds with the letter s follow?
3h34
